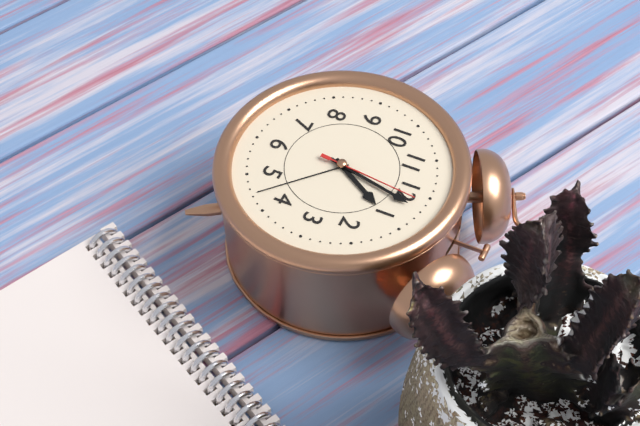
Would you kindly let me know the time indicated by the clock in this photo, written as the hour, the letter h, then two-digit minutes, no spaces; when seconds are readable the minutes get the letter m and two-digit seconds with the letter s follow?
1h02m01s
